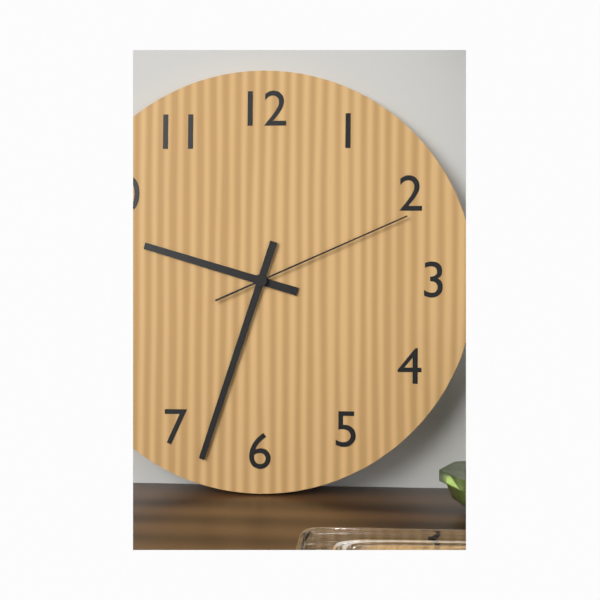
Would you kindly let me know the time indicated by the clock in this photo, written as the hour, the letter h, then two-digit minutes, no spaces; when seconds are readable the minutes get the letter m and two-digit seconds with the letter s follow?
9h33m11s
